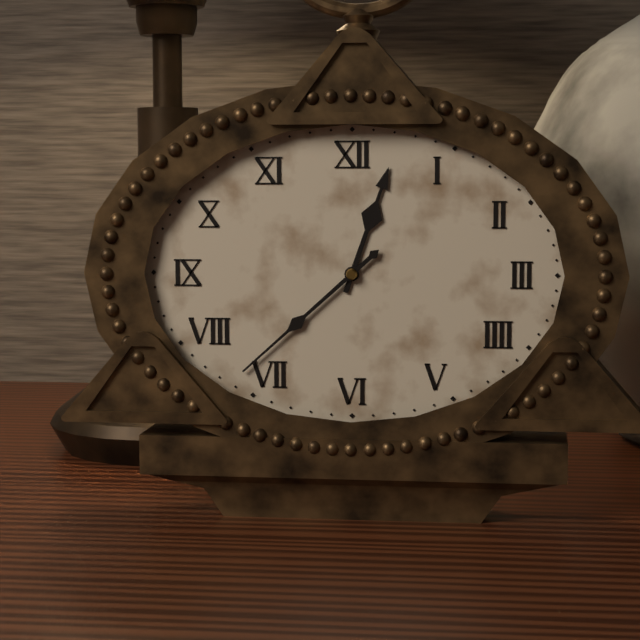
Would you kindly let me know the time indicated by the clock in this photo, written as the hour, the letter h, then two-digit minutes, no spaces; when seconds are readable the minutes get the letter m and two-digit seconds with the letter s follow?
12h38
